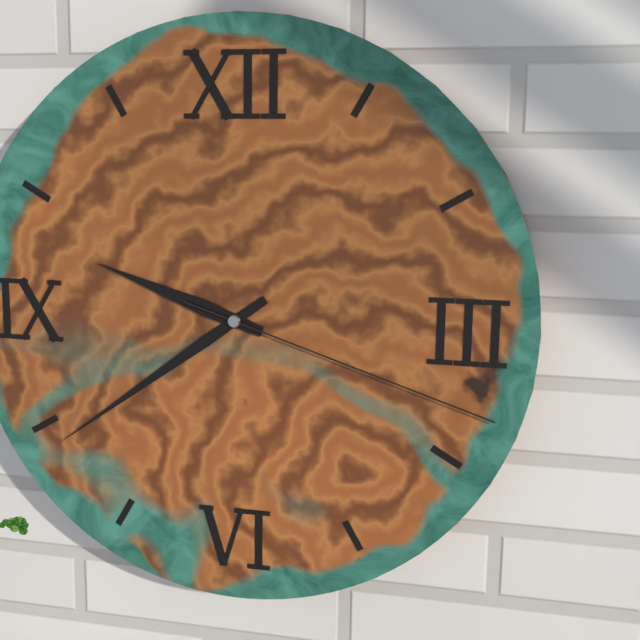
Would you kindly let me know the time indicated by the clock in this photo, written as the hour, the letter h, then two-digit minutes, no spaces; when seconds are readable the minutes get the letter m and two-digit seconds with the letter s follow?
9h39m18s
